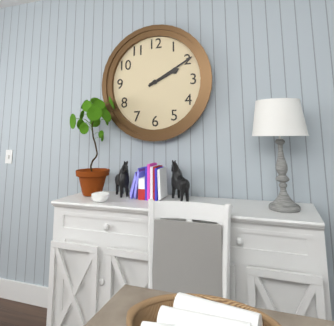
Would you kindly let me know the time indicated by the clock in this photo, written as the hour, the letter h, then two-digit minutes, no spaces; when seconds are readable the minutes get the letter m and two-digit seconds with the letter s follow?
2h10
